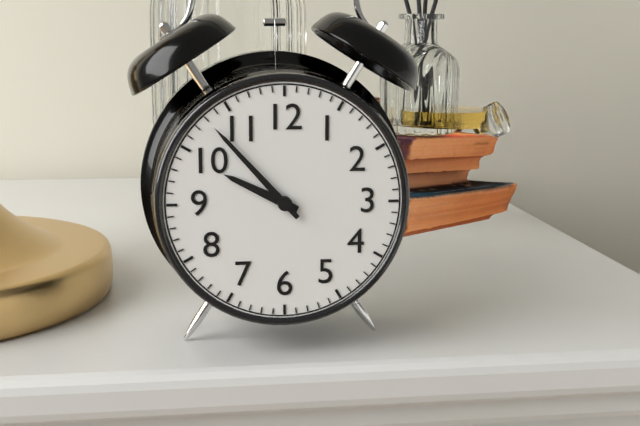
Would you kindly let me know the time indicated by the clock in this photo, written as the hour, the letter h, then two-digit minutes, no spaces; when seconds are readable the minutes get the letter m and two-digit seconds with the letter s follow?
9h53
